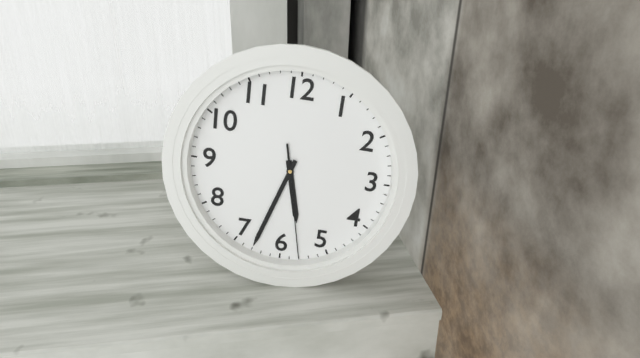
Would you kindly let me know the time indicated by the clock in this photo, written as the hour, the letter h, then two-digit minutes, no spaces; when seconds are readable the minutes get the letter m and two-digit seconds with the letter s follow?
5h33m28s
